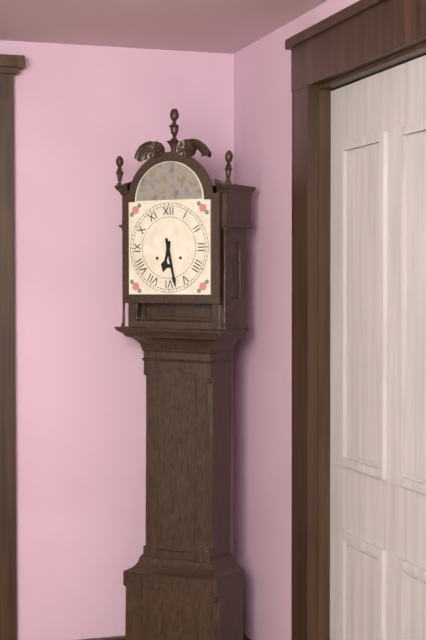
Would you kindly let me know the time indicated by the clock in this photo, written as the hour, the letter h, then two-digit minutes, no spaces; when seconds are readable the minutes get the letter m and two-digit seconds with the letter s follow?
6h28
